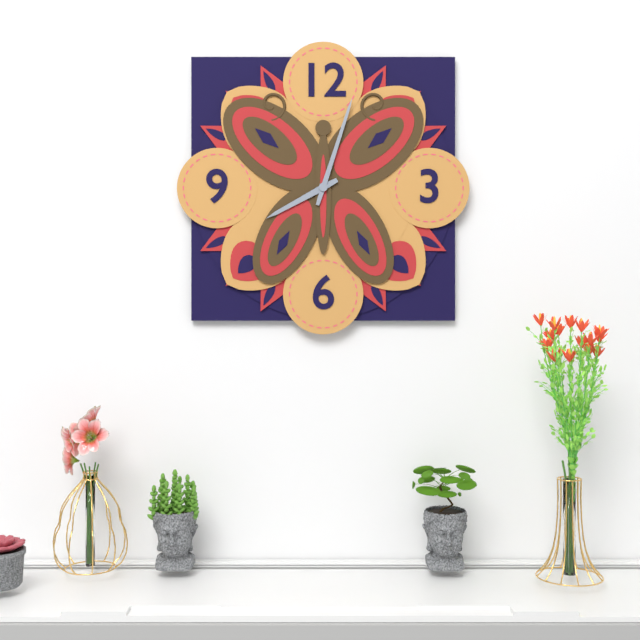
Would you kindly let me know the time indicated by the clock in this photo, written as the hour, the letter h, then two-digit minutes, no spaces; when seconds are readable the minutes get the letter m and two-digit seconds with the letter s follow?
8h03
